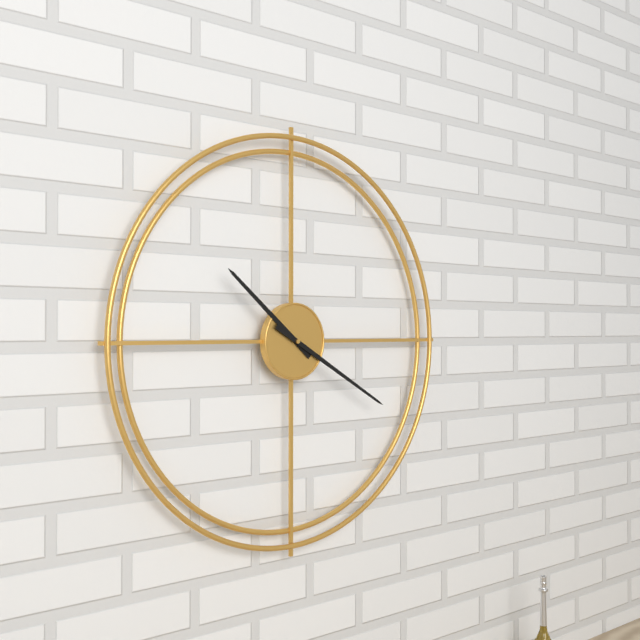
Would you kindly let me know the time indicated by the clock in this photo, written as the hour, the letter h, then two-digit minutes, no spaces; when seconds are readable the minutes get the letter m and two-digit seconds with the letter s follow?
10h20
